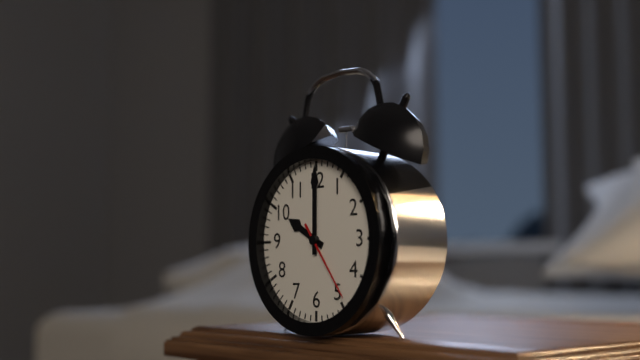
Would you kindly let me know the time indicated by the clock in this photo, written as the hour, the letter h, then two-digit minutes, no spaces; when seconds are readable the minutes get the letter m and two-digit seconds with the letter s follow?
10h00m24s
